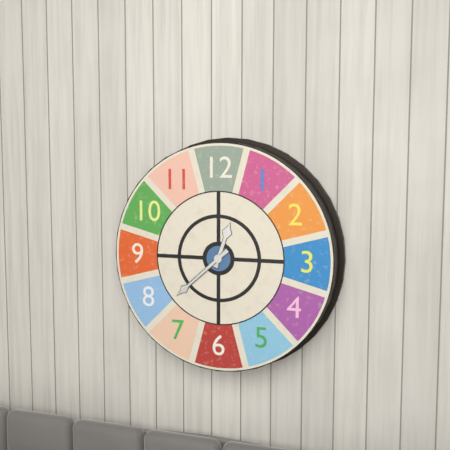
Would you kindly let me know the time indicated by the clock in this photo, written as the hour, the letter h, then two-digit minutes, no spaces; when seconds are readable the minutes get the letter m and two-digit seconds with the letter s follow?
12h38
